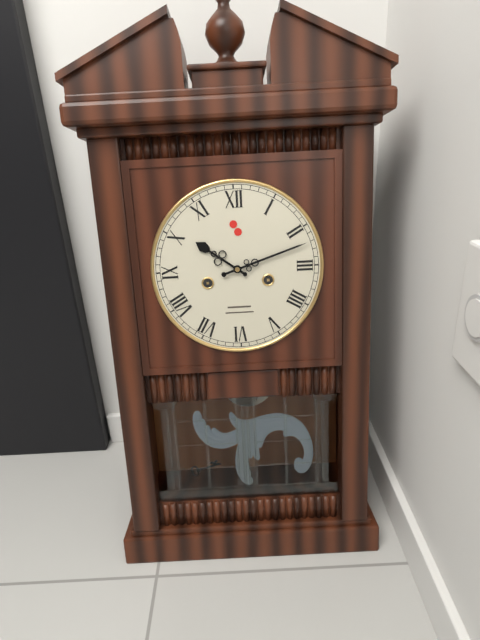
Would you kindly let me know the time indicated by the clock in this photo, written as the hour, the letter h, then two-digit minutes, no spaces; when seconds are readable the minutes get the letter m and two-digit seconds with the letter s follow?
10h12
